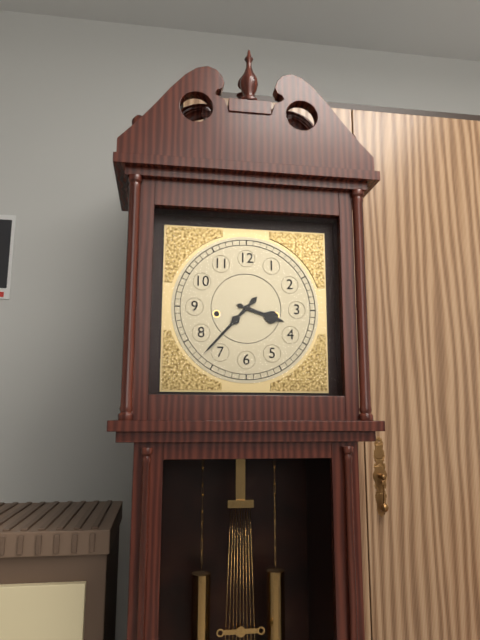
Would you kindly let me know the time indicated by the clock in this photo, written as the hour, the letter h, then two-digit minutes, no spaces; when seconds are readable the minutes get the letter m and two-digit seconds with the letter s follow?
3h37
